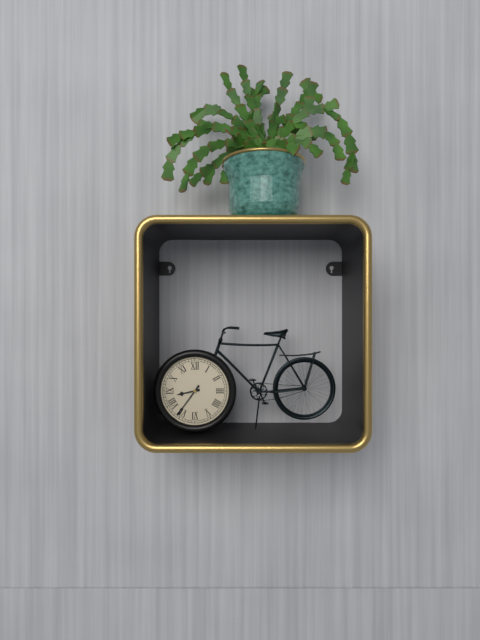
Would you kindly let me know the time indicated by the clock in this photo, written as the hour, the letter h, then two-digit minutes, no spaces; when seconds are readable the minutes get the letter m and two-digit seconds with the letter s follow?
8h36
